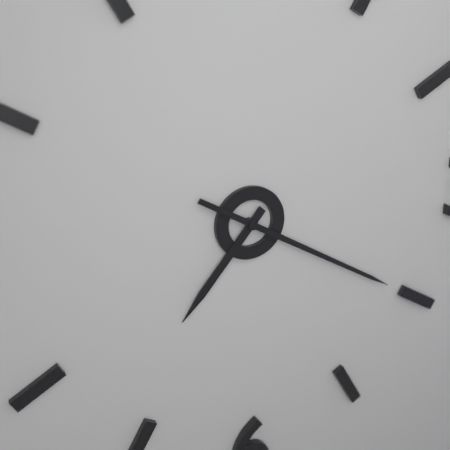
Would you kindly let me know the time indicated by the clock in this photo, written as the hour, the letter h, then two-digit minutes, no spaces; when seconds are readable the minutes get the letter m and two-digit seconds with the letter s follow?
7h20
